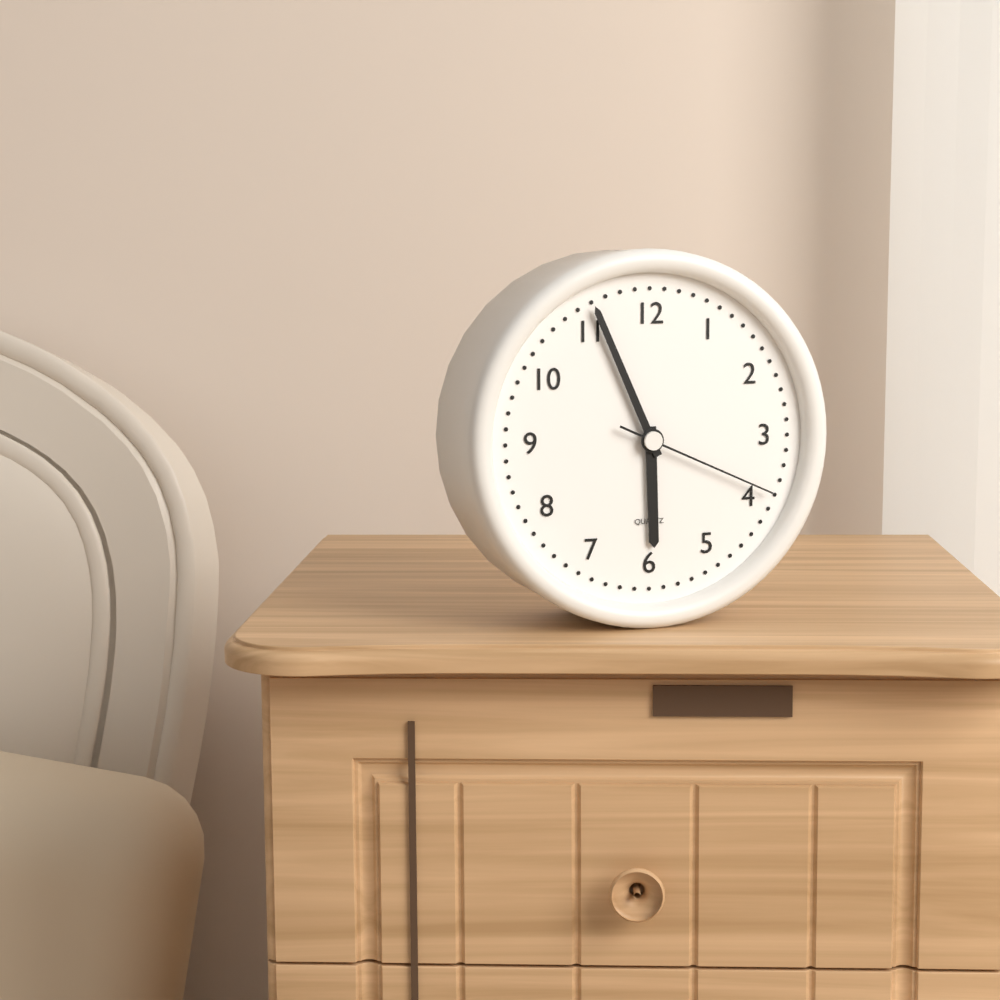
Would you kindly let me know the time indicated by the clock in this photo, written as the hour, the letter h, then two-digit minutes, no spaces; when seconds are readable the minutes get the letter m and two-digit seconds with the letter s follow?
5h56m19s
